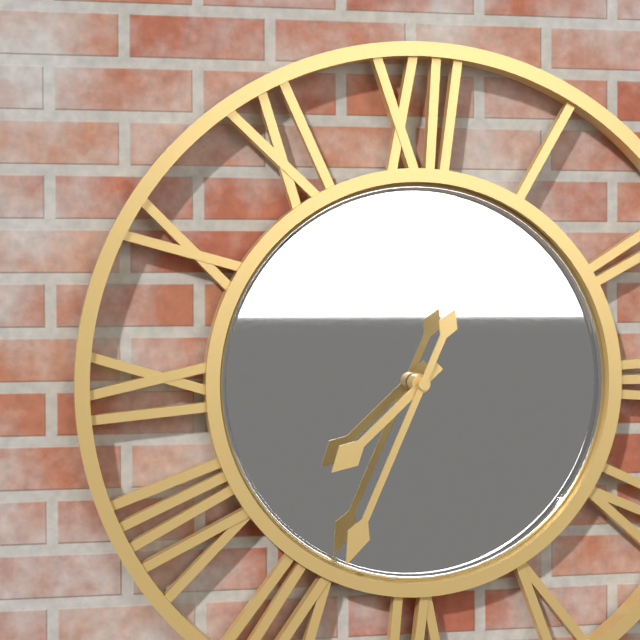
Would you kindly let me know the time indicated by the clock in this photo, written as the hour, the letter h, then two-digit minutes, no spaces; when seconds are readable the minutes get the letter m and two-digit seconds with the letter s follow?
7h34
